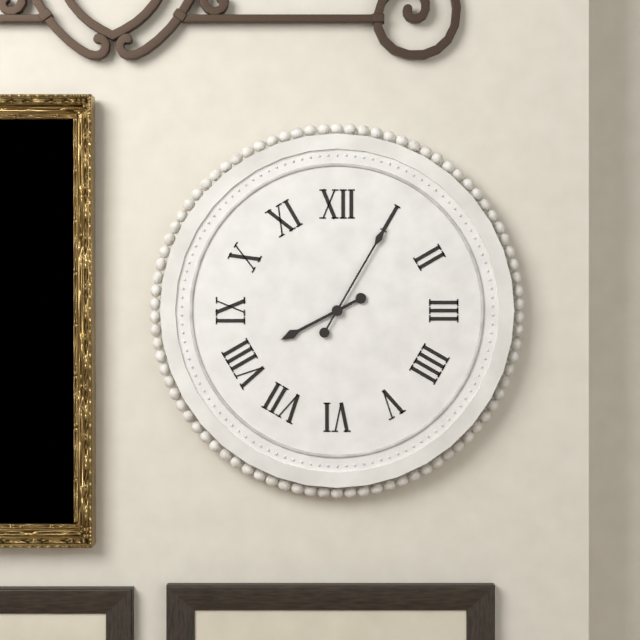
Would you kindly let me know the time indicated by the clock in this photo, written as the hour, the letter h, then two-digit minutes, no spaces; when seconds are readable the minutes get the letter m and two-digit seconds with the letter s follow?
8h05
